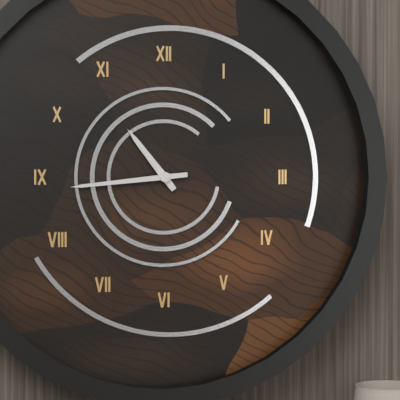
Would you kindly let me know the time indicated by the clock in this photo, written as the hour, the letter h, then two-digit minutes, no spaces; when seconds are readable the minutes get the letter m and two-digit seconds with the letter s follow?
10h44
